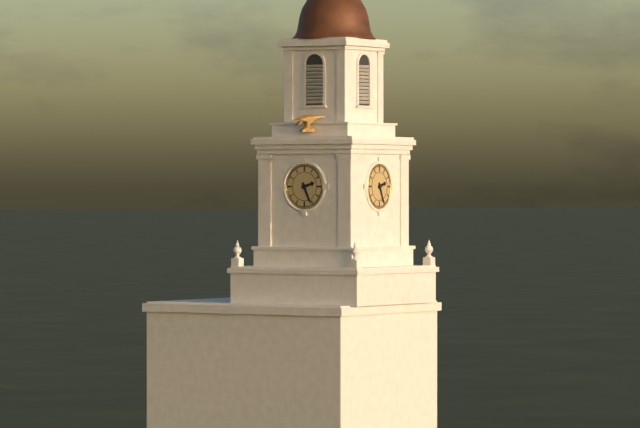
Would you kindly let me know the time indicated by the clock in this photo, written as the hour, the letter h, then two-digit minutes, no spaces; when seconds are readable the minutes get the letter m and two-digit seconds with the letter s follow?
2h26
